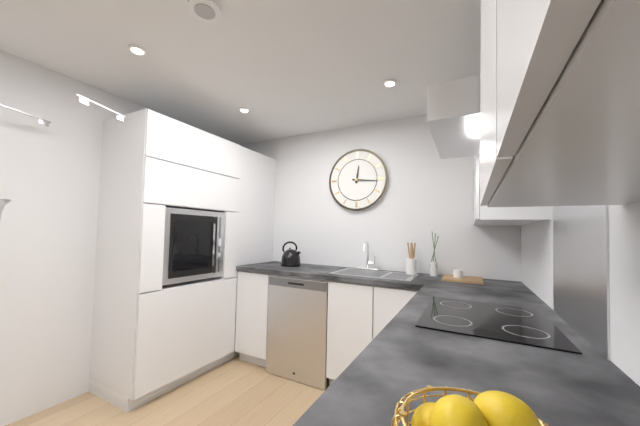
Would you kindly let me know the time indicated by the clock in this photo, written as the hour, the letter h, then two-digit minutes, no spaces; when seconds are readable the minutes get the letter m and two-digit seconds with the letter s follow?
12h16
